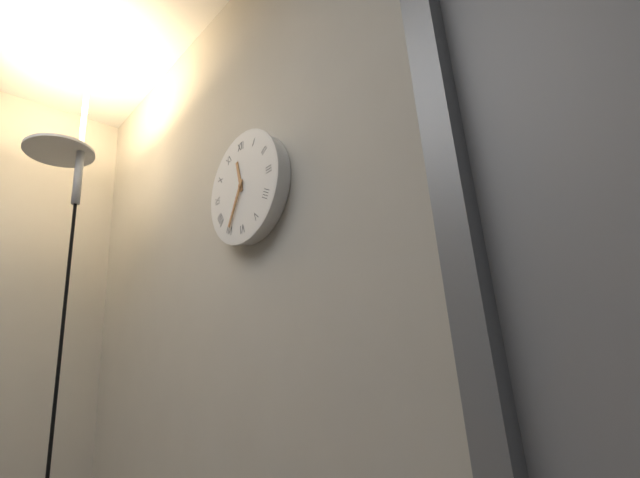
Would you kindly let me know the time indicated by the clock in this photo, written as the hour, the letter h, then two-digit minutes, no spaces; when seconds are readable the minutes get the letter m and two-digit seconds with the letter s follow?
11h35
